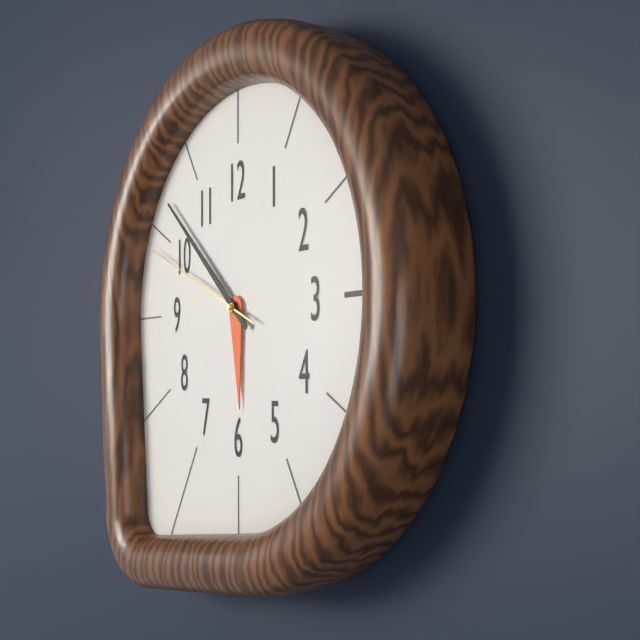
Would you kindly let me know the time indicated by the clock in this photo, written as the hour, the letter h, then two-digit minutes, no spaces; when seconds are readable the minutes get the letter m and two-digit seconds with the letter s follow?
5h52m49s
